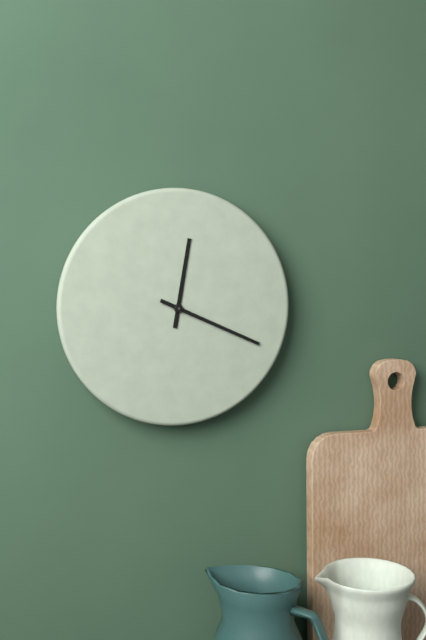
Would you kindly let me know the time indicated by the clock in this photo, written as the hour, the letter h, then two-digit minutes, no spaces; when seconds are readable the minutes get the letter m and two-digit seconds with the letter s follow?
12h19
